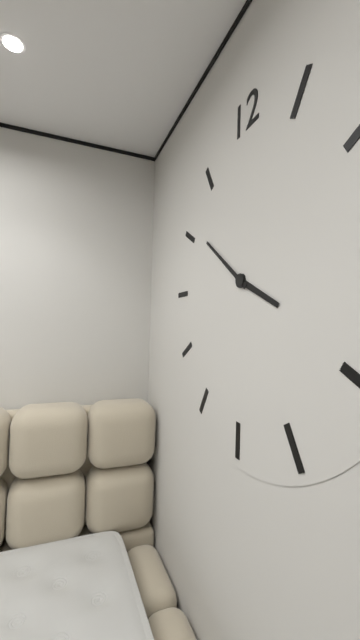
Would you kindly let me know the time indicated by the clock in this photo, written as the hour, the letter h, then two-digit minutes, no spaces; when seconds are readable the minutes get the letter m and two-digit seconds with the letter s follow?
3h51
